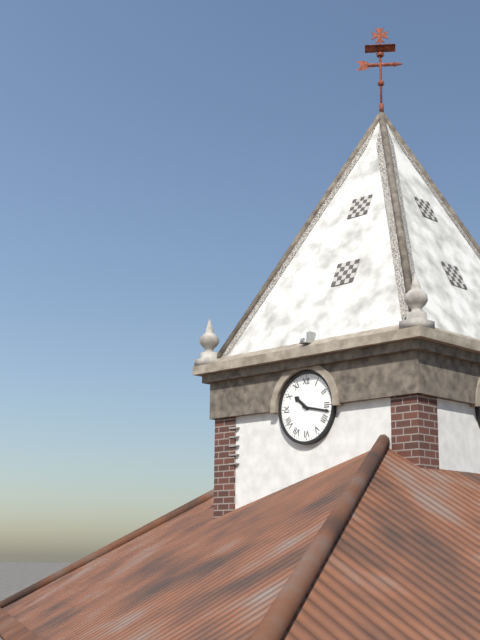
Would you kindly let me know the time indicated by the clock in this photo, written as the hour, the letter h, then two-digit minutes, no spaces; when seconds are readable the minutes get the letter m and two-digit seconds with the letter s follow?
10h17
